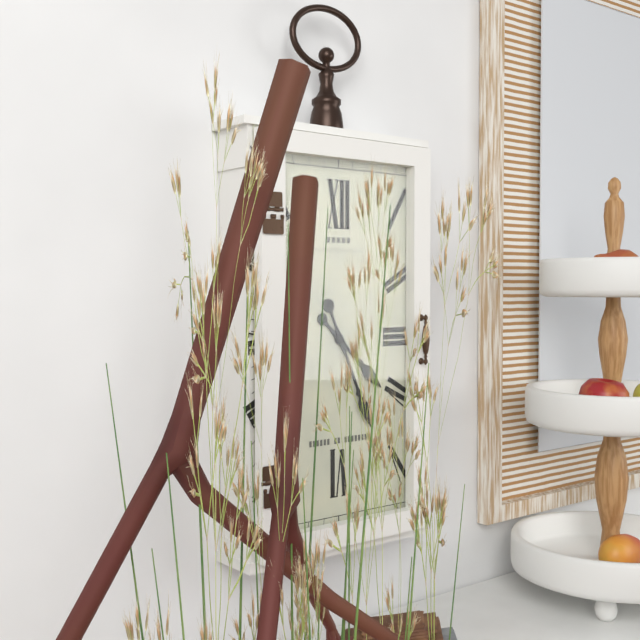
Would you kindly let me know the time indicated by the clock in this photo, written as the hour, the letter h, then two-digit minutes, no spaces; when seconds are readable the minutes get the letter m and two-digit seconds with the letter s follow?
4h26
